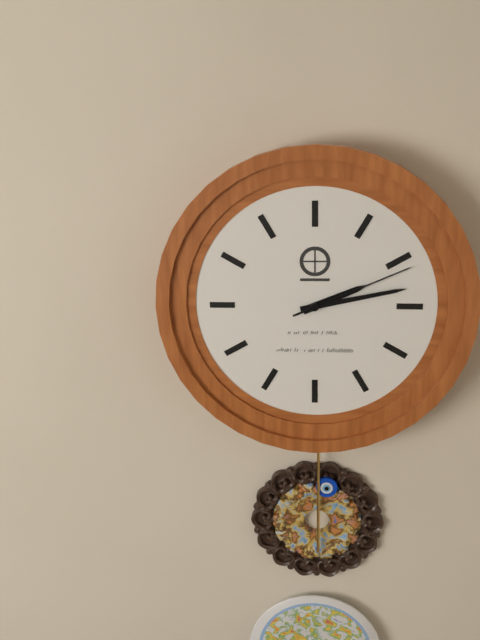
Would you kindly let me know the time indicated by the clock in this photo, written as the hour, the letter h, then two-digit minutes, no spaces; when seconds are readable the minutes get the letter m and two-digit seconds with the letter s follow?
2h13m11s
